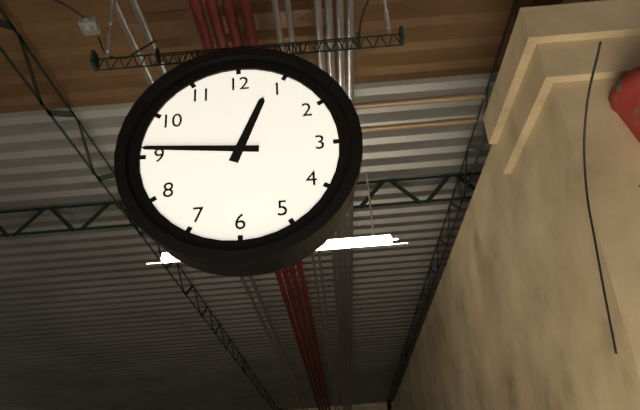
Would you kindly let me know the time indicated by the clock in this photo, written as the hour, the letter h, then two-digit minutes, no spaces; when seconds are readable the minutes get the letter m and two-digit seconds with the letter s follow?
12h46
